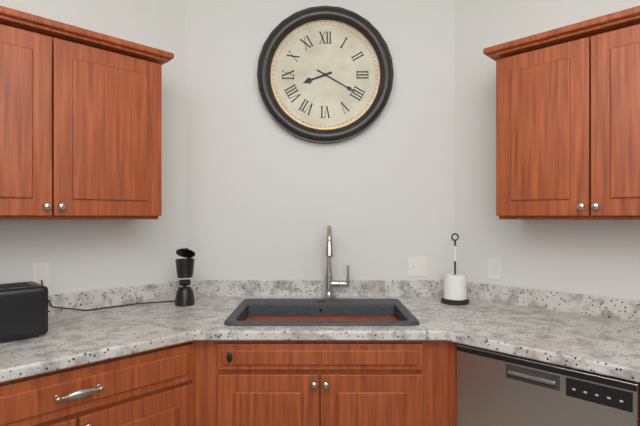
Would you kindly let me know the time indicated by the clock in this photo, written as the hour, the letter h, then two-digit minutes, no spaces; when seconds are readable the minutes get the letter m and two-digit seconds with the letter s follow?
8h20
